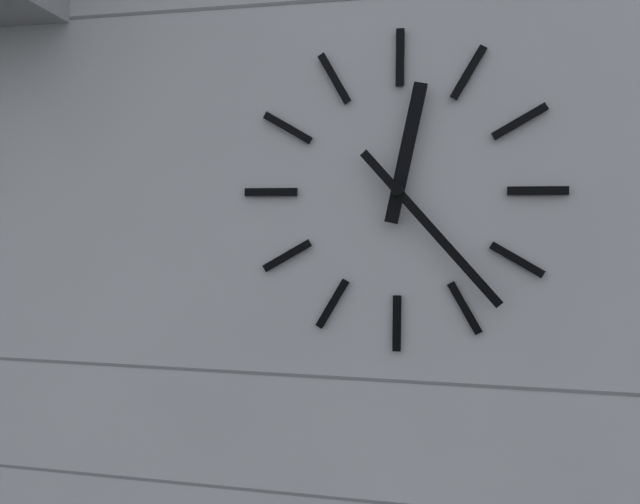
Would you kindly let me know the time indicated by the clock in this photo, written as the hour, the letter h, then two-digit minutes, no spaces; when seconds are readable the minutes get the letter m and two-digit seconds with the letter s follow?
12h23
